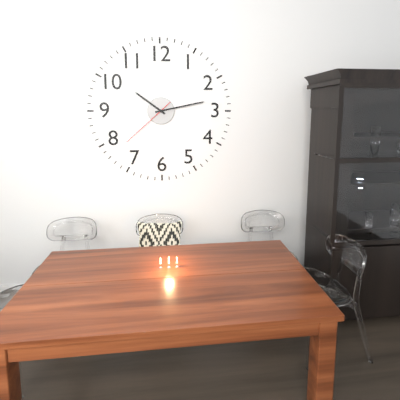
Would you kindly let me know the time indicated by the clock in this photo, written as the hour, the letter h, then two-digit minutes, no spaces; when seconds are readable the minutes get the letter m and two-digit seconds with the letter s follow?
10h13m38s
